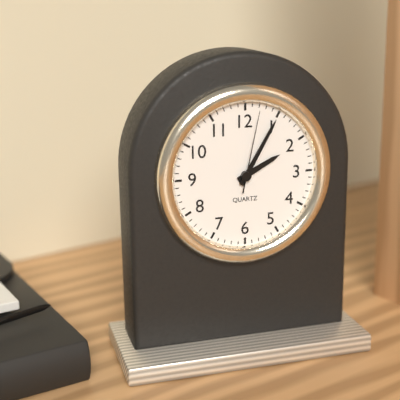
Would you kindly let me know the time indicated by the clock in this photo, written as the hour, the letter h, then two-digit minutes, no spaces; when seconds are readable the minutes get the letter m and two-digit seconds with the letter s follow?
2h05m02s
